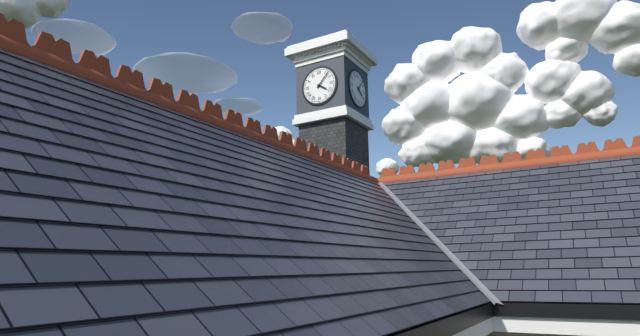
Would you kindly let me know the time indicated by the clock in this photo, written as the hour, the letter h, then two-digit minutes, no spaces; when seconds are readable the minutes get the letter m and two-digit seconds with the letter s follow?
4h07
